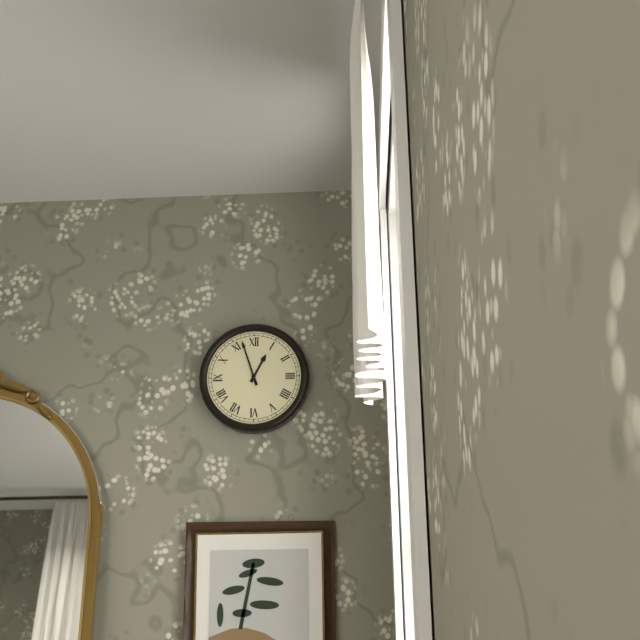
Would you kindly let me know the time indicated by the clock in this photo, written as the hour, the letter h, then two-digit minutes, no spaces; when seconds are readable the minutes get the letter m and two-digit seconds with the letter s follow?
12h57
